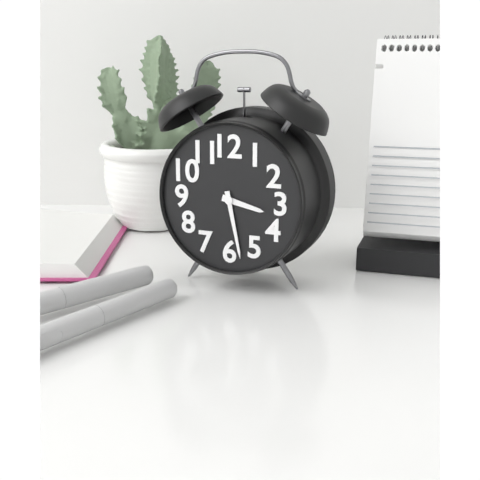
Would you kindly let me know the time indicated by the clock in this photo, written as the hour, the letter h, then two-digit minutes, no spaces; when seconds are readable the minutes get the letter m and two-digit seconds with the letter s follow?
3h28
